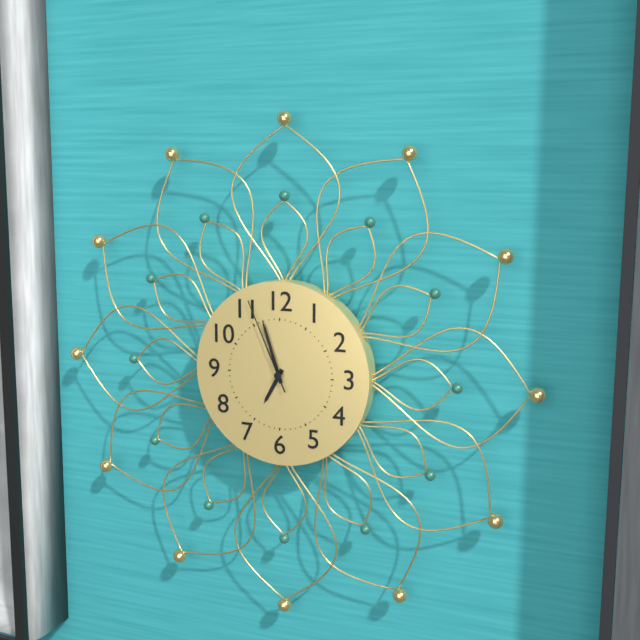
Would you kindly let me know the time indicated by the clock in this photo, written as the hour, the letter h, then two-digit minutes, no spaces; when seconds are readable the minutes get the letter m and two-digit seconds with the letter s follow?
6h57m56s
